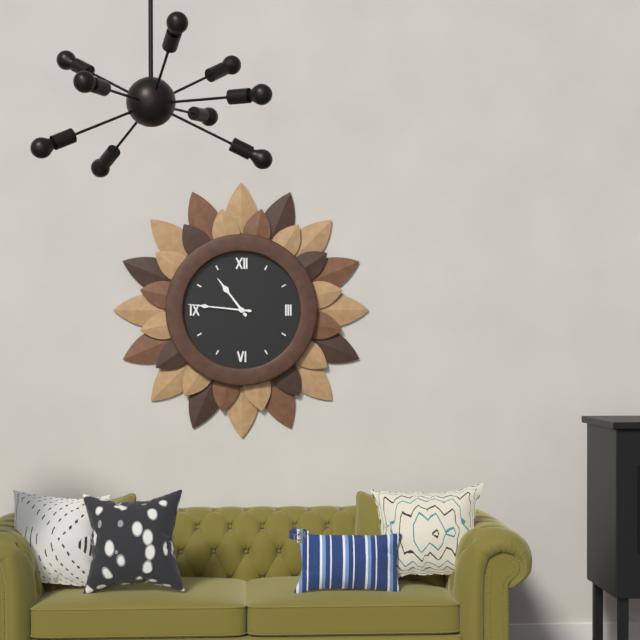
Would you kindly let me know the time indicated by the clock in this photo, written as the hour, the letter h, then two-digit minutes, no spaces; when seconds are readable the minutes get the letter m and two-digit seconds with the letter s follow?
10h46
